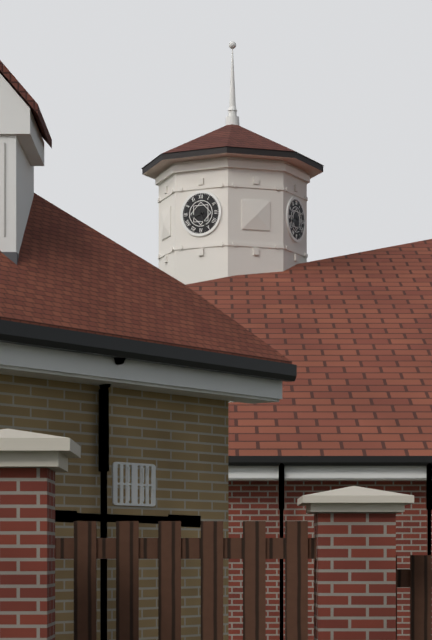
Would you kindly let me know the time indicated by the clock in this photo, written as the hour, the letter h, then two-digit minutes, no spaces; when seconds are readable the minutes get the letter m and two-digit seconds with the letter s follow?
8h26
